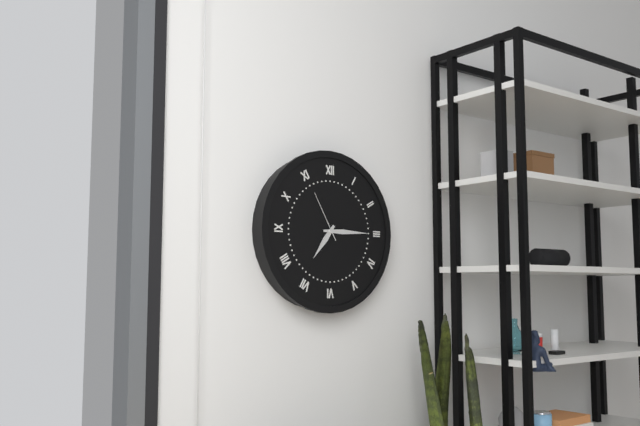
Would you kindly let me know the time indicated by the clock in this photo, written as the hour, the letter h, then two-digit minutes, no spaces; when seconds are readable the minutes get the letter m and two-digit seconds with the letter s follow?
7h15m55s
